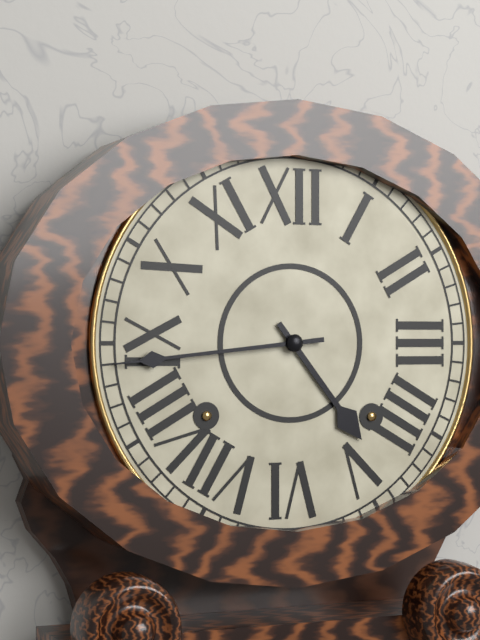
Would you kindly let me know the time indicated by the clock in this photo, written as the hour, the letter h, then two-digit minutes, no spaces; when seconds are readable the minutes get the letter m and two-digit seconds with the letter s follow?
4h44
